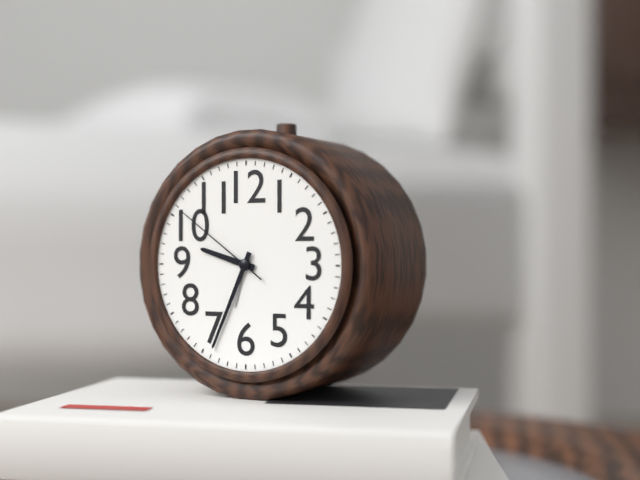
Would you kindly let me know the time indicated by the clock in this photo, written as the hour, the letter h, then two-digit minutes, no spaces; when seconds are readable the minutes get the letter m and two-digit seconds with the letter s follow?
9h34m51s
